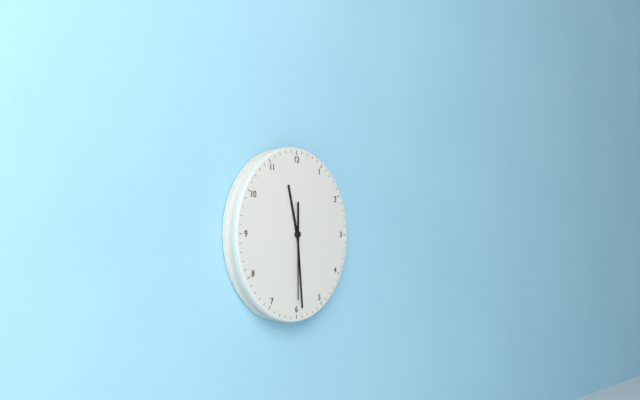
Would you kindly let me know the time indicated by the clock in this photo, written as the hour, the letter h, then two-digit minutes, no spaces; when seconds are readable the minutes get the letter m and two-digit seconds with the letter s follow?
11h29m30s
